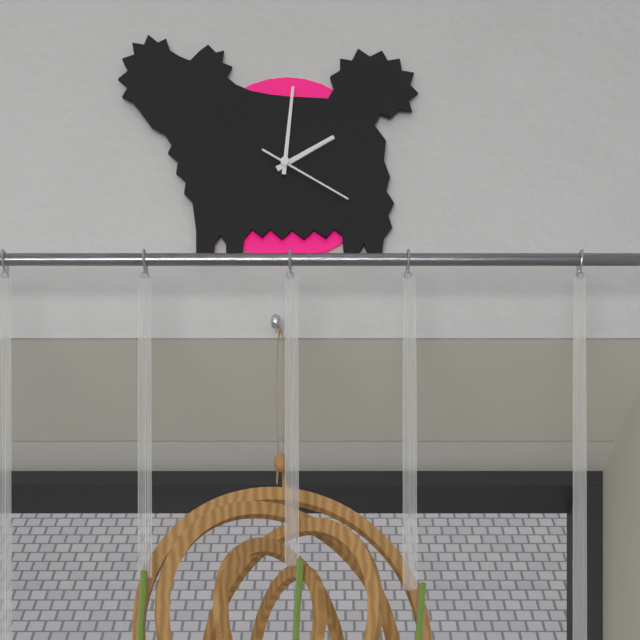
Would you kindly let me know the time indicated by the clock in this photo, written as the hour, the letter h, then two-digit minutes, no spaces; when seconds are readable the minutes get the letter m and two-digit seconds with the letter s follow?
2h01m20s
